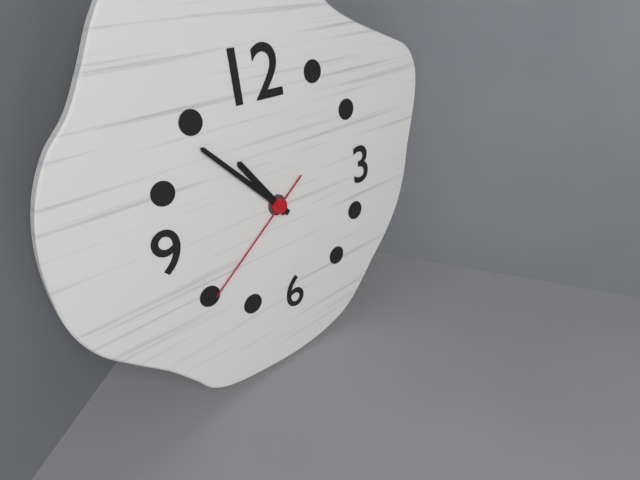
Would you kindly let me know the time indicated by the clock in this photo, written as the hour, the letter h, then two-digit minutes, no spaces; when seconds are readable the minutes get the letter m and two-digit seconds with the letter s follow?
10h53m39s
